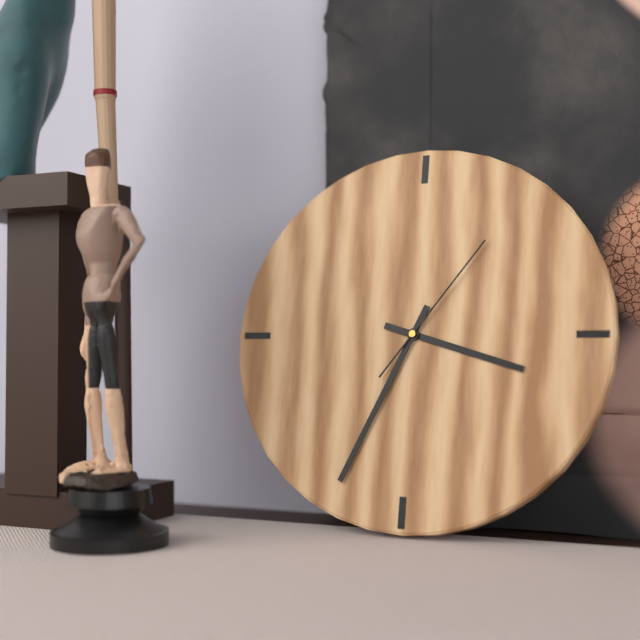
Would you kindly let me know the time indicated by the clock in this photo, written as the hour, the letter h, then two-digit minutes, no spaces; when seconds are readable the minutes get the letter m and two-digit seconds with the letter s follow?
3h34m06s
